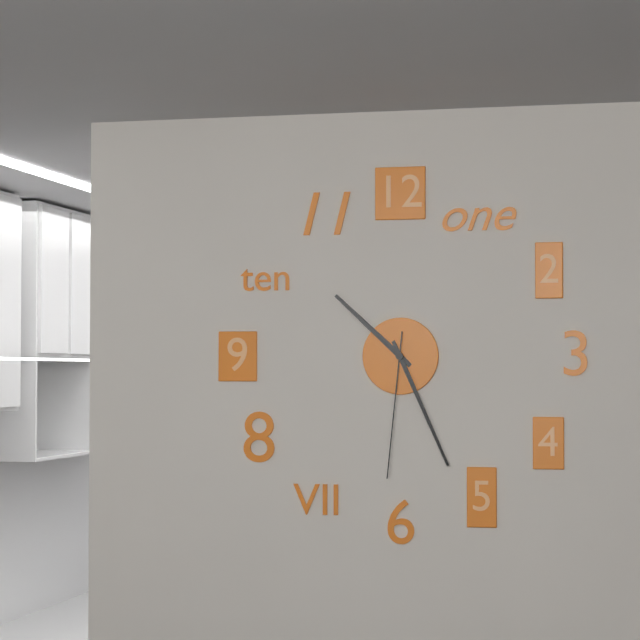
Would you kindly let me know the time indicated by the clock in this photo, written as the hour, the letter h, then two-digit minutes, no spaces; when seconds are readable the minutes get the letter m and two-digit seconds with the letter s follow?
10h26m31s
